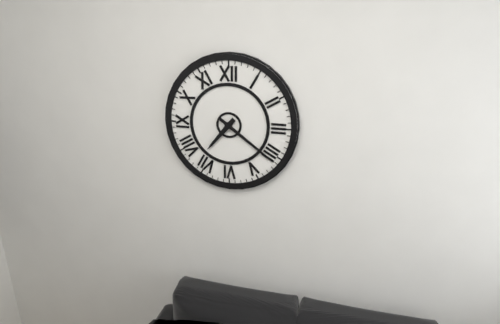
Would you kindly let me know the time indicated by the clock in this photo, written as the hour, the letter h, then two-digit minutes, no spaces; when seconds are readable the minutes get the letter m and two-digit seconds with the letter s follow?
7h21
